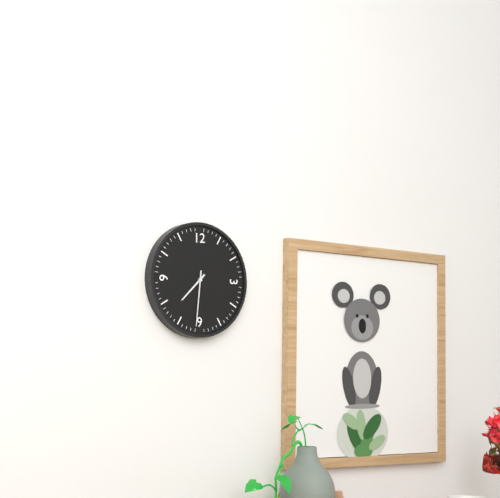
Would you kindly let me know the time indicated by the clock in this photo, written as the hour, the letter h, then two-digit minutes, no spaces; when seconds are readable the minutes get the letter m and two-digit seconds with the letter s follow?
7h31
